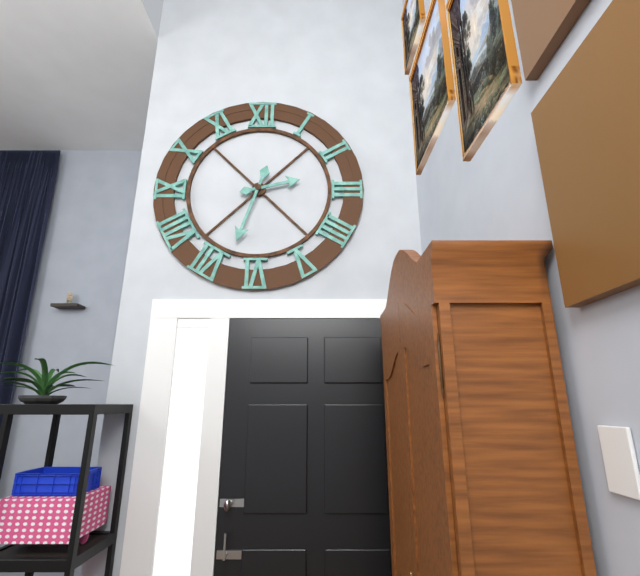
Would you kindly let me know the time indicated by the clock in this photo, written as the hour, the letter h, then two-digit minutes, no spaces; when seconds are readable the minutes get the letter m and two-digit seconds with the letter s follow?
2h33
